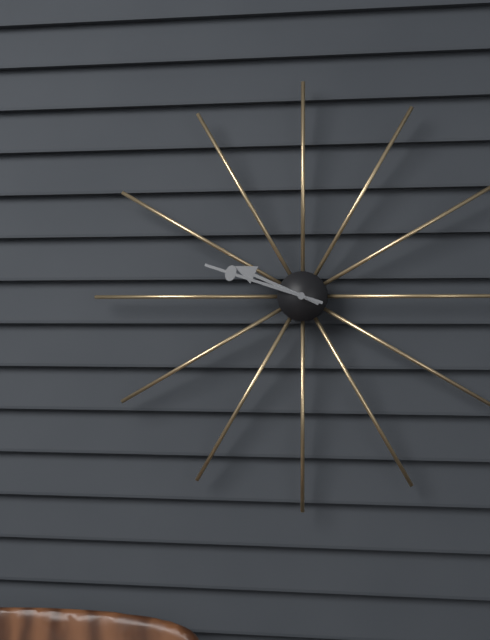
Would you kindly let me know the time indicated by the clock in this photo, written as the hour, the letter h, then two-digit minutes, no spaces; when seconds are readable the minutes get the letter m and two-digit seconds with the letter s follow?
9h48
